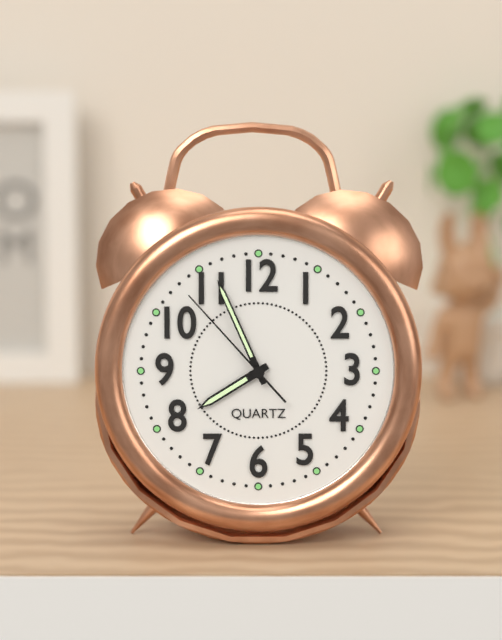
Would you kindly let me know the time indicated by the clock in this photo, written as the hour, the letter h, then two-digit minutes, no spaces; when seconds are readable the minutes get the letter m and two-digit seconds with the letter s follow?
7h56m53s
